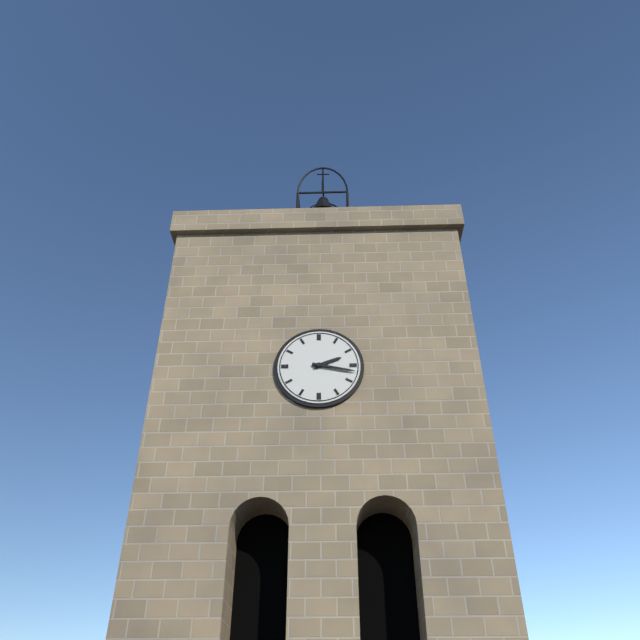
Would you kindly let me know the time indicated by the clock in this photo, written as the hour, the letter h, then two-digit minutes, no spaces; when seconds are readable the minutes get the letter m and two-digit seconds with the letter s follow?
2h17
